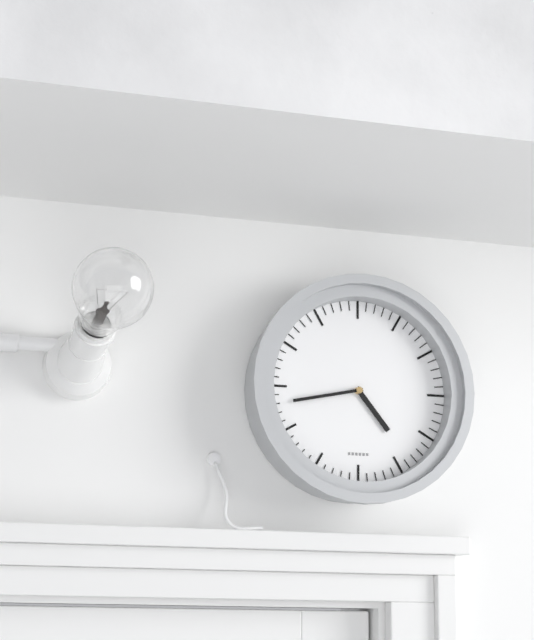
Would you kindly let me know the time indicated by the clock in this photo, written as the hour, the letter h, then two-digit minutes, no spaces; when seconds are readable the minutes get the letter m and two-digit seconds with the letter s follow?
4h43
